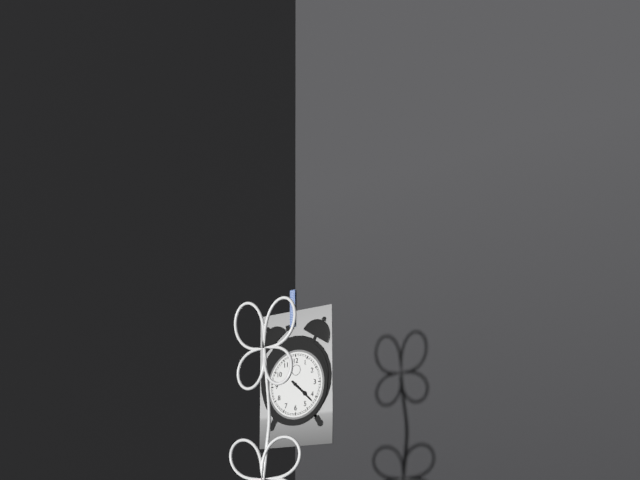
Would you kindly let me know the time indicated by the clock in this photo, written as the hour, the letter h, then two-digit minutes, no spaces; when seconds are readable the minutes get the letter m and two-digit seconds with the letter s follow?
4h22
